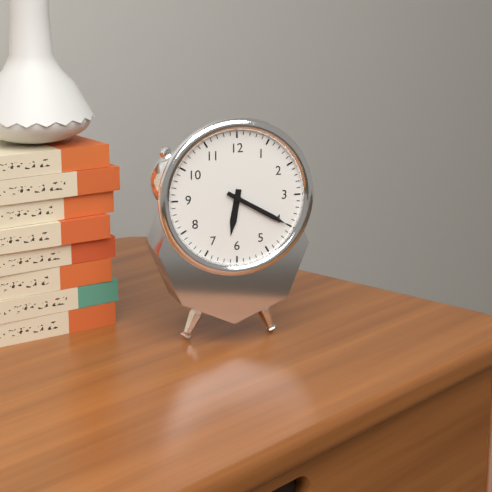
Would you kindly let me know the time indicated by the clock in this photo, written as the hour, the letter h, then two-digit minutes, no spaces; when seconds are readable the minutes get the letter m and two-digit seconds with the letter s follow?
6h20
